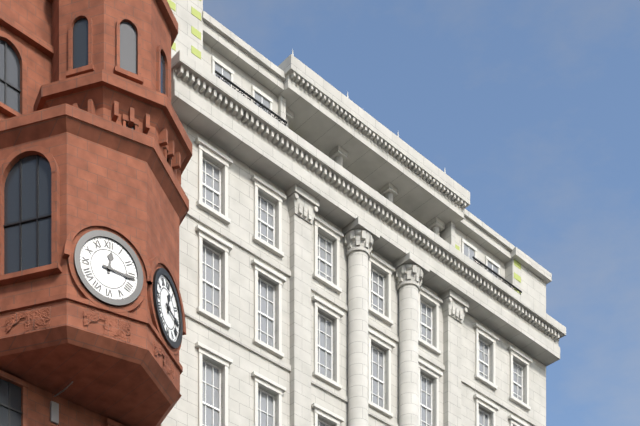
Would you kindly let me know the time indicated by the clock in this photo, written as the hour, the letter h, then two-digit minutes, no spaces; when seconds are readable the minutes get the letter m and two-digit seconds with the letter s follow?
12h16
